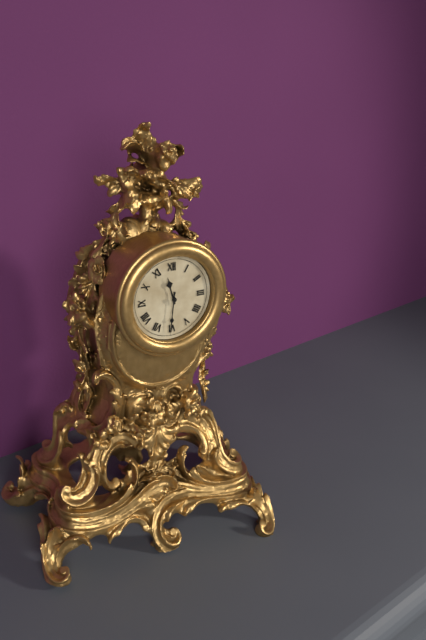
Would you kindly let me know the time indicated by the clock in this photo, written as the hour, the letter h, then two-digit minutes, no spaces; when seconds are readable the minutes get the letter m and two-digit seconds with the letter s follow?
11h31
